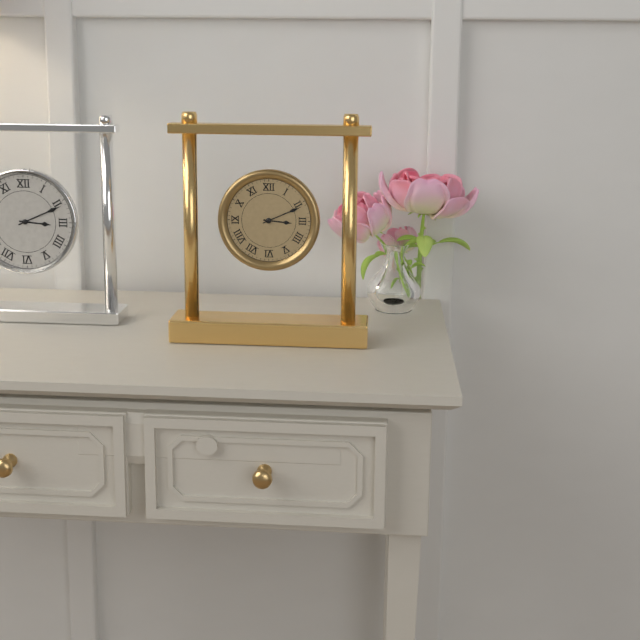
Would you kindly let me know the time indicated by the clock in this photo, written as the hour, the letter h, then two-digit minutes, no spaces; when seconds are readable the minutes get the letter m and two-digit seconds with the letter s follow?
3h11
